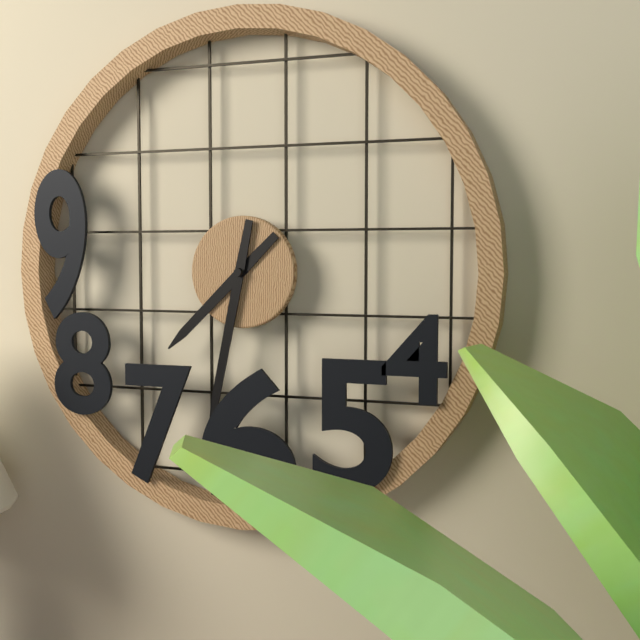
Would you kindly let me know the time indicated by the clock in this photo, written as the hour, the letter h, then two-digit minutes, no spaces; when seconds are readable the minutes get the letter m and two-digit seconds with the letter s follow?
7h32
